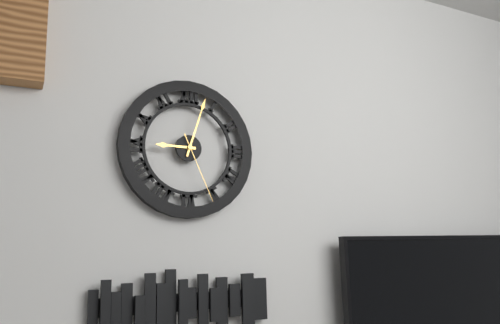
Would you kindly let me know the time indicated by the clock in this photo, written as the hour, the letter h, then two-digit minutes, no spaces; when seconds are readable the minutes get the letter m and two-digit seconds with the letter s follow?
9h03m26s
